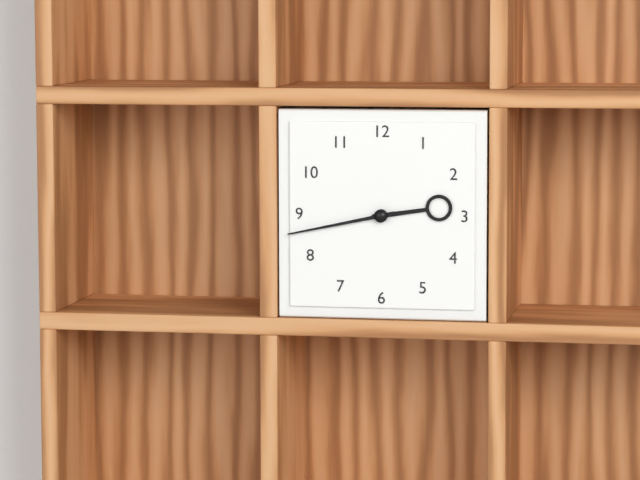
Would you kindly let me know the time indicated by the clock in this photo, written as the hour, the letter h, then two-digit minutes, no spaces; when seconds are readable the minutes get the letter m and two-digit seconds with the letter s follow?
2h43
